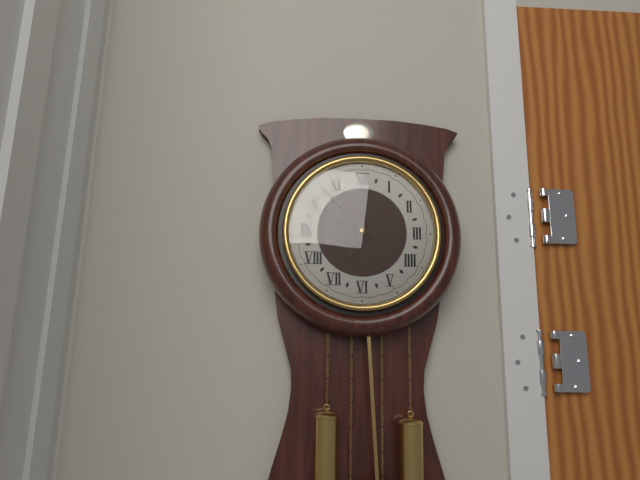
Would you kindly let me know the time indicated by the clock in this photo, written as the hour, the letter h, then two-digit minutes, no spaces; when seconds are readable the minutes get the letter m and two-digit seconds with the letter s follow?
6h53
